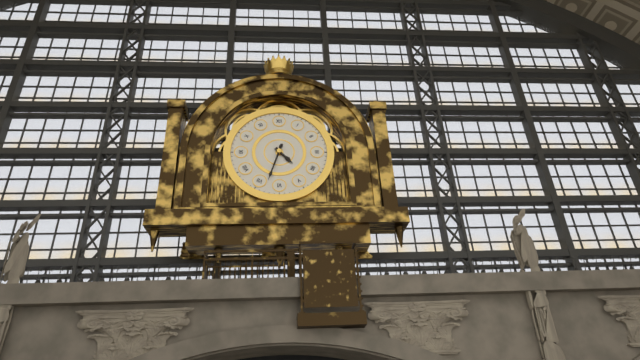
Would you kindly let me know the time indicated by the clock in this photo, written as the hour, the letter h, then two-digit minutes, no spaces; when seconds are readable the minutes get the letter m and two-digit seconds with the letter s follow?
4h33
